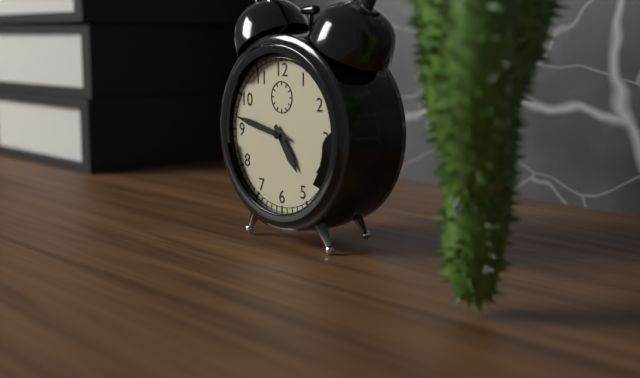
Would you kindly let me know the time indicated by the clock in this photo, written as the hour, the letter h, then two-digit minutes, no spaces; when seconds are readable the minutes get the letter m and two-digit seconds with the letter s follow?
4h47
